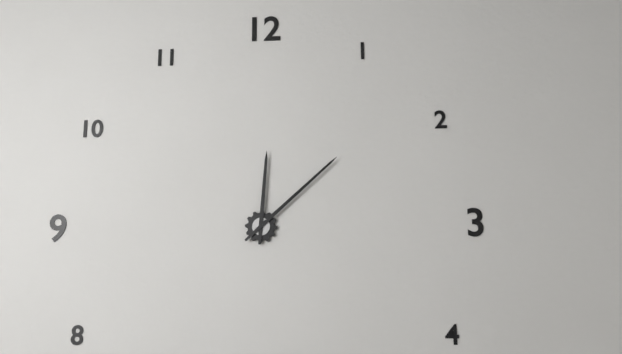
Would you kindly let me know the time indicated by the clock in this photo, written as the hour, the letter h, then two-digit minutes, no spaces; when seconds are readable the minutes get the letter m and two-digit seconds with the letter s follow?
12h08
